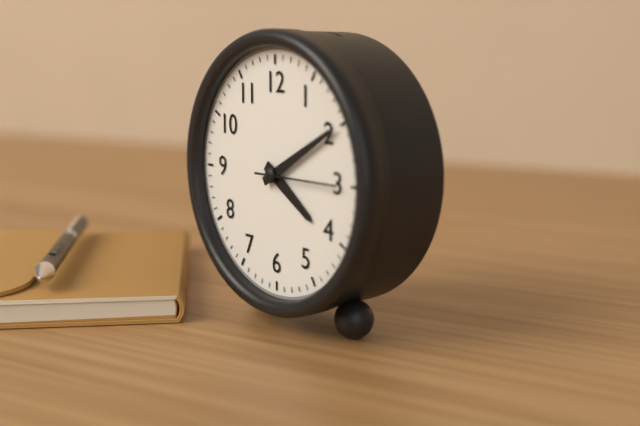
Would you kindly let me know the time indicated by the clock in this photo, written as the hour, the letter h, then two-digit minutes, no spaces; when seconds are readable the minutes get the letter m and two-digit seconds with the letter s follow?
4h10
